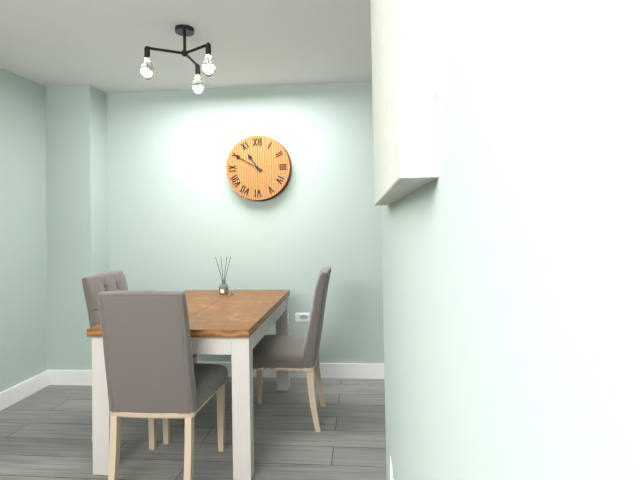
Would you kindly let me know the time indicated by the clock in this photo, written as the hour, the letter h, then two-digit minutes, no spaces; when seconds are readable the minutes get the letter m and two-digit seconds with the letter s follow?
10h50
